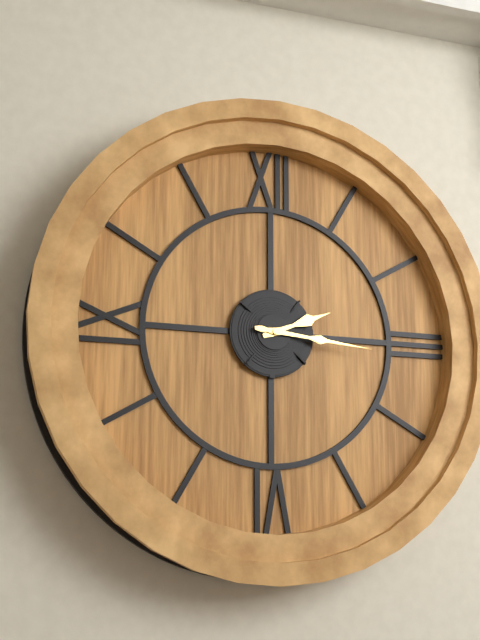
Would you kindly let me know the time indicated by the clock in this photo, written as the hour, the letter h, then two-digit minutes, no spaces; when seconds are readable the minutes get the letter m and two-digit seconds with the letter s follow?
2h16
